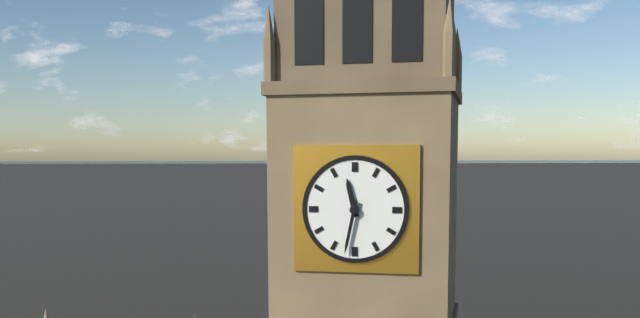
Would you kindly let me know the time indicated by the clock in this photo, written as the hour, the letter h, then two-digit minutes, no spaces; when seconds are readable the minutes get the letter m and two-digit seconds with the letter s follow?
11h32
